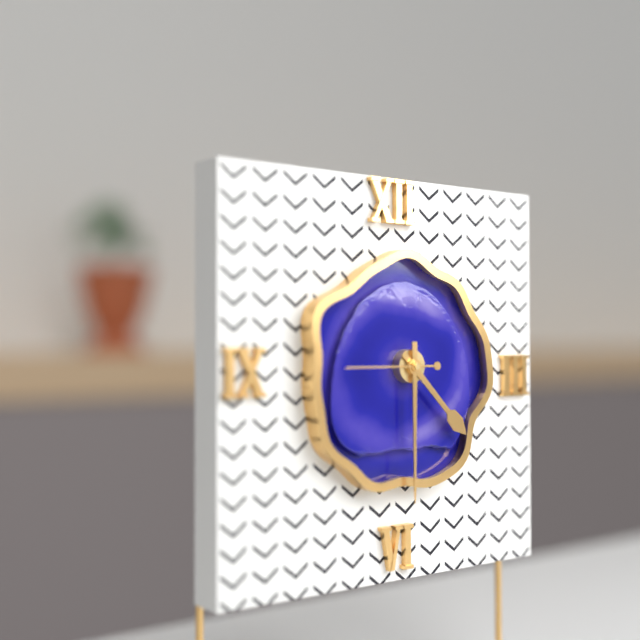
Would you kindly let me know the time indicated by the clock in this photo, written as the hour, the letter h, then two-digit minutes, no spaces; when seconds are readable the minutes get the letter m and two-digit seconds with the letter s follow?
4h30
